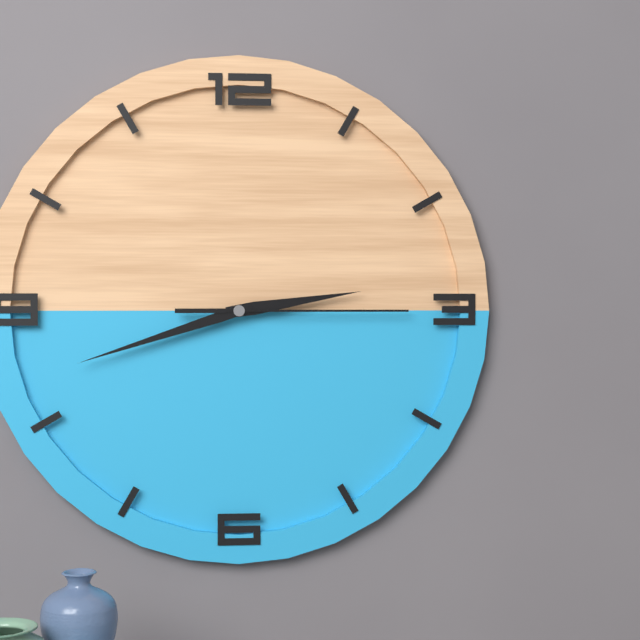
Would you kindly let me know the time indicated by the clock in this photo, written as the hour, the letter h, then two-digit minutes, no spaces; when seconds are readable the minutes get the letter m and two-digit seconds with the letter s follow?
2h42m15s
